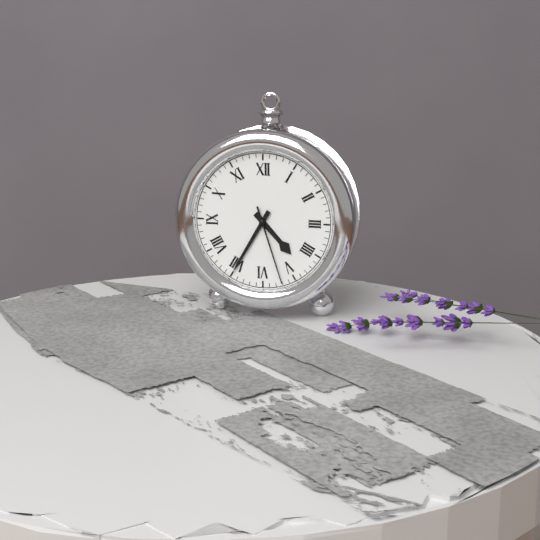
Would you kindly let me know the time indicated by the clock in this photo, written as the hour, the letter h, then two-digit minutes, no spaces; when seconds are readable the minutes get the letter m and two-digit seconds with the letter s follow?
4h35m27s
